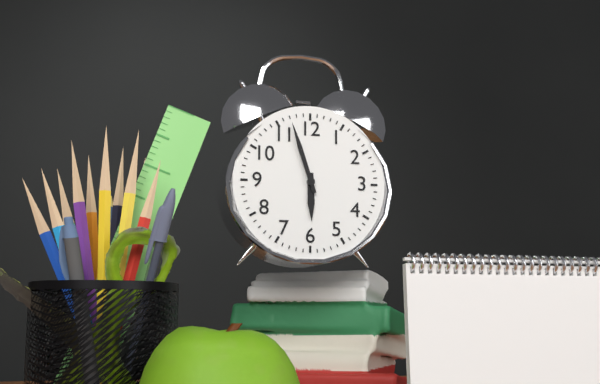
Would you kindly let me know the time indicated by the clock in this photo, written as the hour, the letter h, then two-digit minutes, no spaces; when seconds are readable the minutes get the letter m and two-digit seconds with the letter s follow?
5h57
